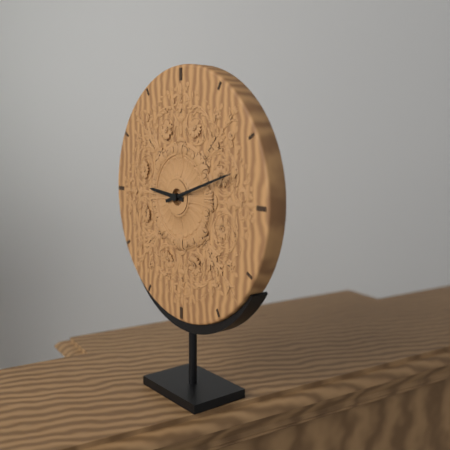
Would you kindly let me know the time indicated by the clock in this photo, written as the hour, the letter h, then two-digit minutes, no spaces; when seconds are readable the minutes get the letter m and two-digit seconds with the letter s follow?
9h12
